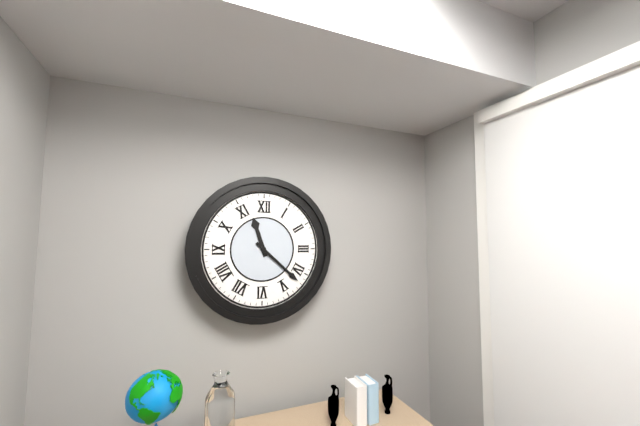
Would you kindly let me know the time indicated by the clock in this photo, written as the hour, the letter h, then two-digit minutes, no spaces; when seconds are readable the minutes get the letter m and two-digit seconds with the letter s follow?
11h22
